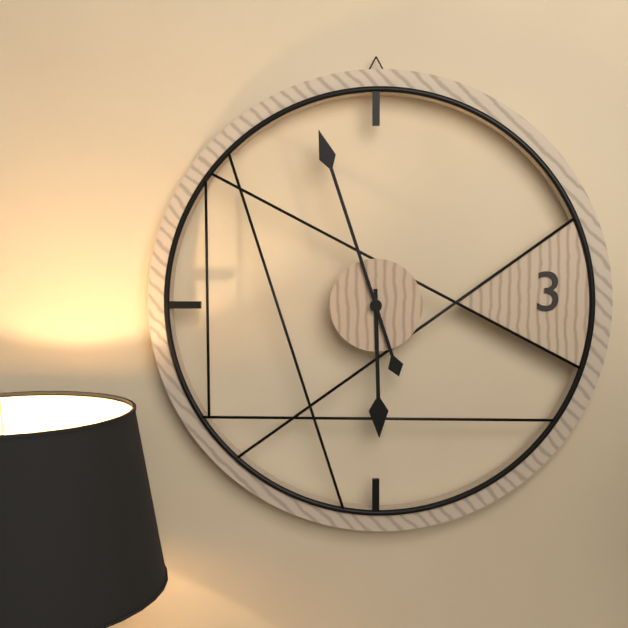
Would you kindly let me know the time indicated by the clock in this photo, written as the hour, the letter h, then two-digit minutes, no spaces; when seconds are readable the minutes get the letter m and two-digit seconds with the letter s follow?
5h57
